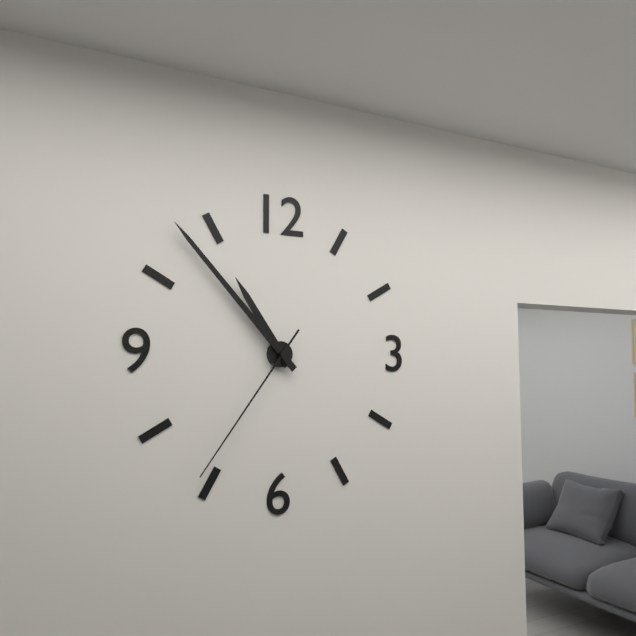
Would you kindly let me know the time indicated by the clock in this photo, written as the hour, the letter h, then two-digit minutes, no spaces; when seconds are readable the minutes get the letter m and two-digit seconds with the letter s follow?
10h53m36s
